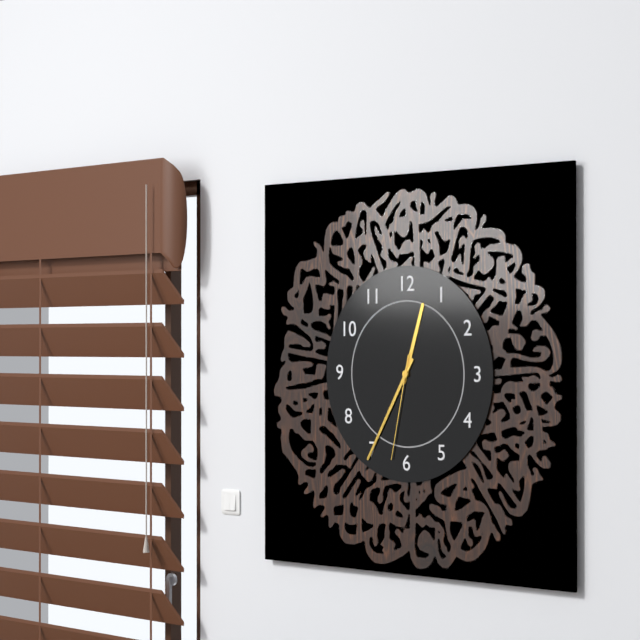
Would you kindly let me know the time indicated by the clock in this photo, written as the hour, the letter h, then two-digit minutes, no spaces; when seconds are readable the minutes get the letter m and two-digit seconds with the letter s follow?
12h35m32s
